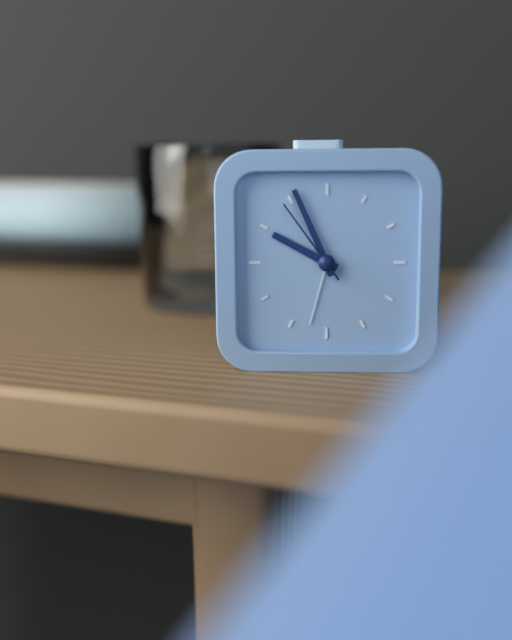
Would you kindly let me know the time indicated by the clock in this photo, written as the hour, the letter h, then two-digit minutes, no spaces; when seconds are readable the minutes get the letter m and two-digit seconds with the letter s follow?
9h56m54s
